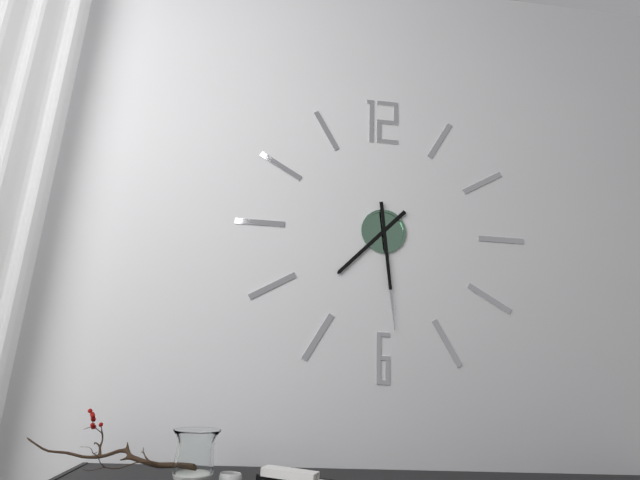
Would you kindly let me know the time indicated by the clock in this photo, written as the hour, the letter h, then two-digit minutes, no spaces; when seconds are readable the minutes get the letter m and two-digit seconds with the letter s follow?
7h29
